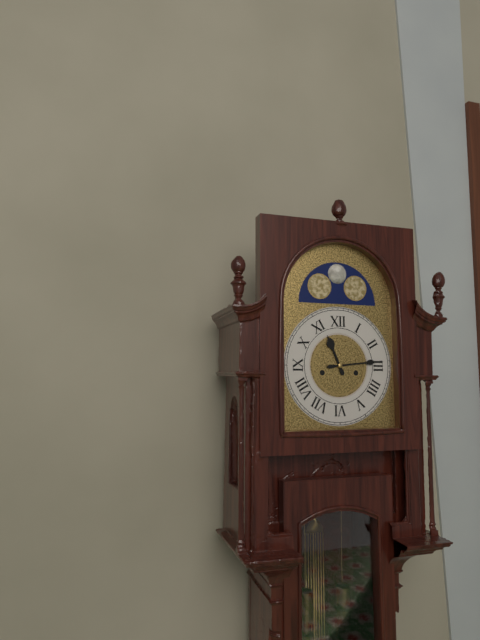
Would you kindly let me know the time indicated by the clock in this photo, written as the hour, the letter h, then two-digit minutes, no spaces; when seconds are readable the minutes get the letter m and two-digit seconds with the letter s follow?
11h14
